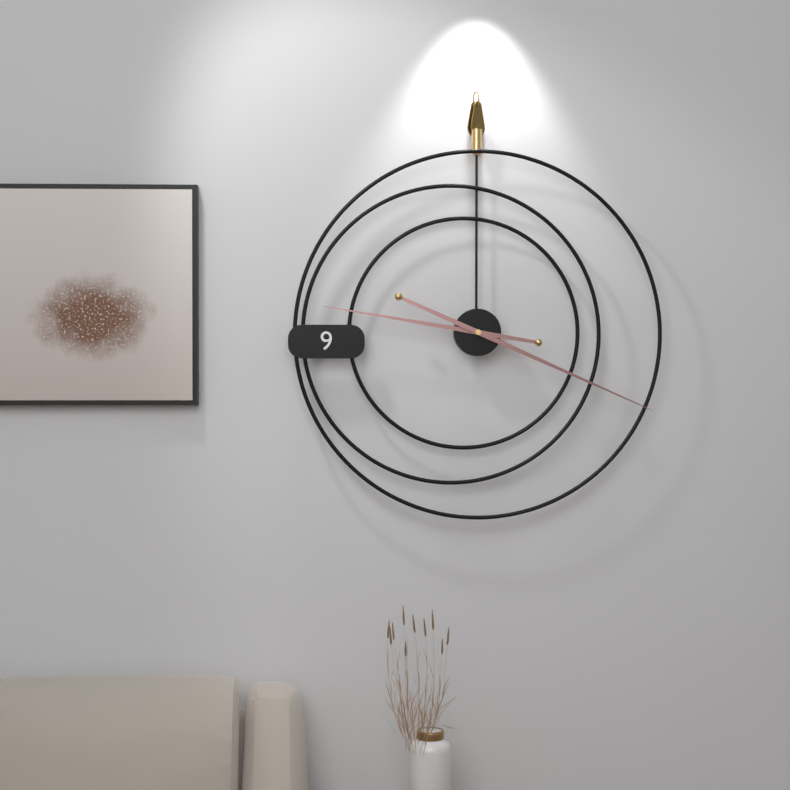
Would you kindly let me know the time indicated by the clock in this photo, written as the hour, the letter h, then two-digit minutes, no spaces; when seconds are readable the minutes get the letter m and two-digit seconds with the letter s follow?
9h19
